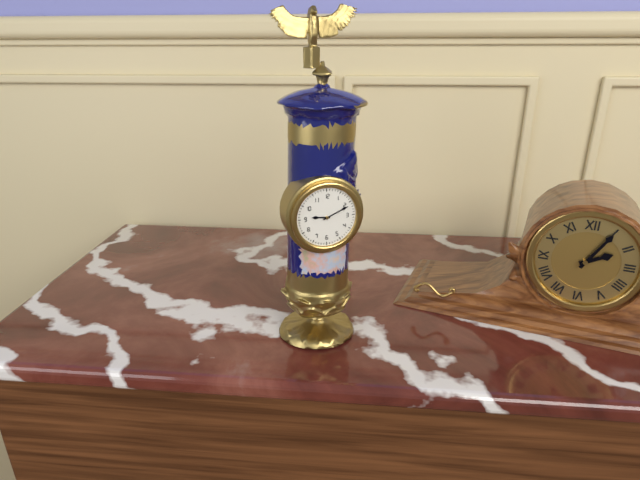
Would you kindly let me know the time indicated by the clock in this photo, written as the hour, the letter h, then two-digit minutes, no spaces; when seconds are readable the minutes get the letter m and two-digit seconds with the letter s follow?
9h11
